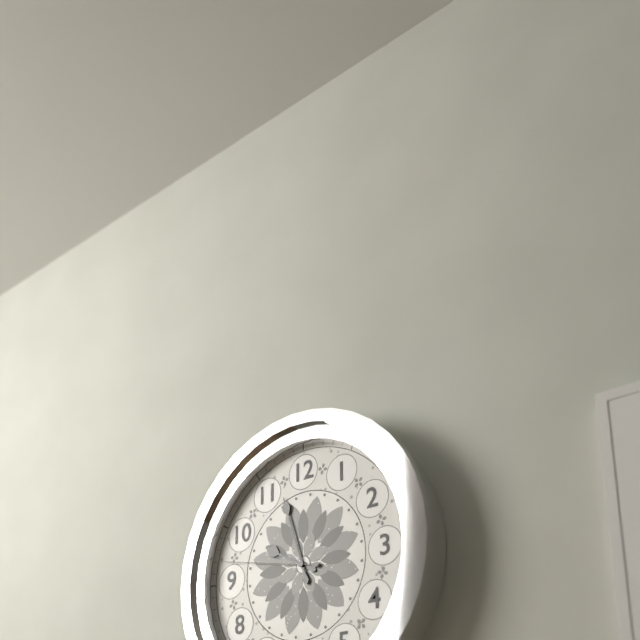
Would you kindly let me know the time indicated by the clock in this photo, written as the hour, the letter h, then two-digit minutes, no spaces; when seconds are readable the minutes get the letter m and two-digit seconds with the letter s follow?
9h57m47s
